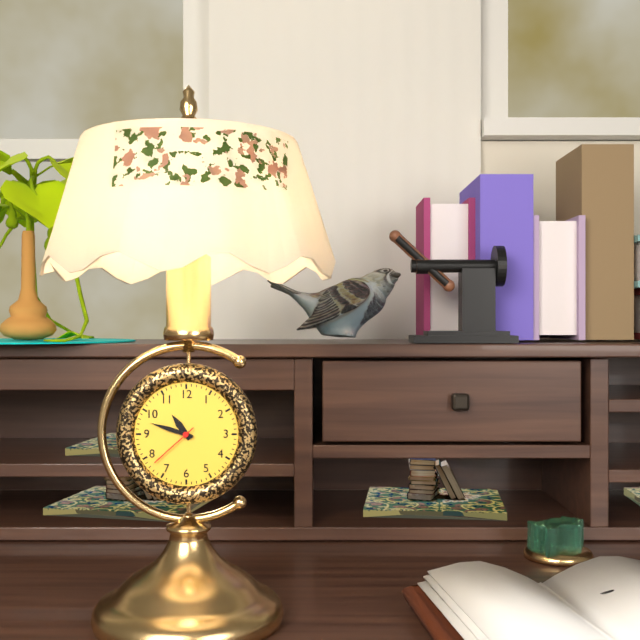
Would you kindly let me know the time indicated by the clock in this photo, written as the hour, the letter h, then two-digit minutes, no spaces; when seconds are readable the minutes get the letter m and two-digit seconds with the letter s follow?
10h48m38s
